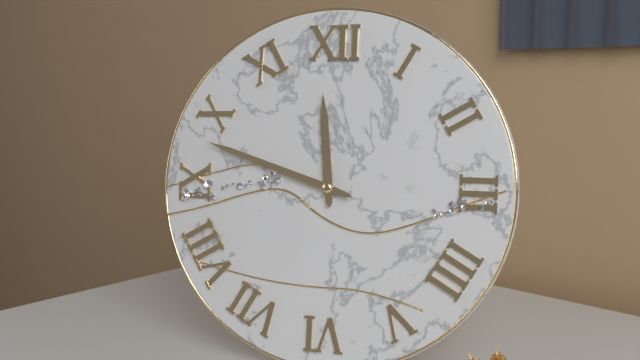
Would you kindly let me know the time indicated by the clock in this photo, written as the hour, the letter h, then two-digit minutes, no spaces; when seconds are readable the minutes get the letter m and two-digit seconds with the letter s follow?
11h48
